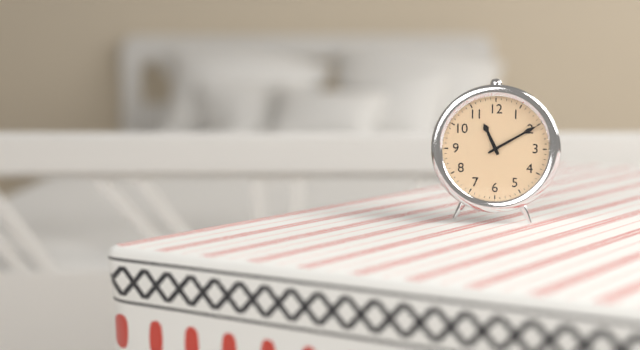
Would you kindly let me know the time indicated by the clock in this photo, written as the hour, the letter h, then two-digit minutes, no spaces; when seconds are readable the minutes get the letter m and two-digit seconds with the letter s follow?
11h10
